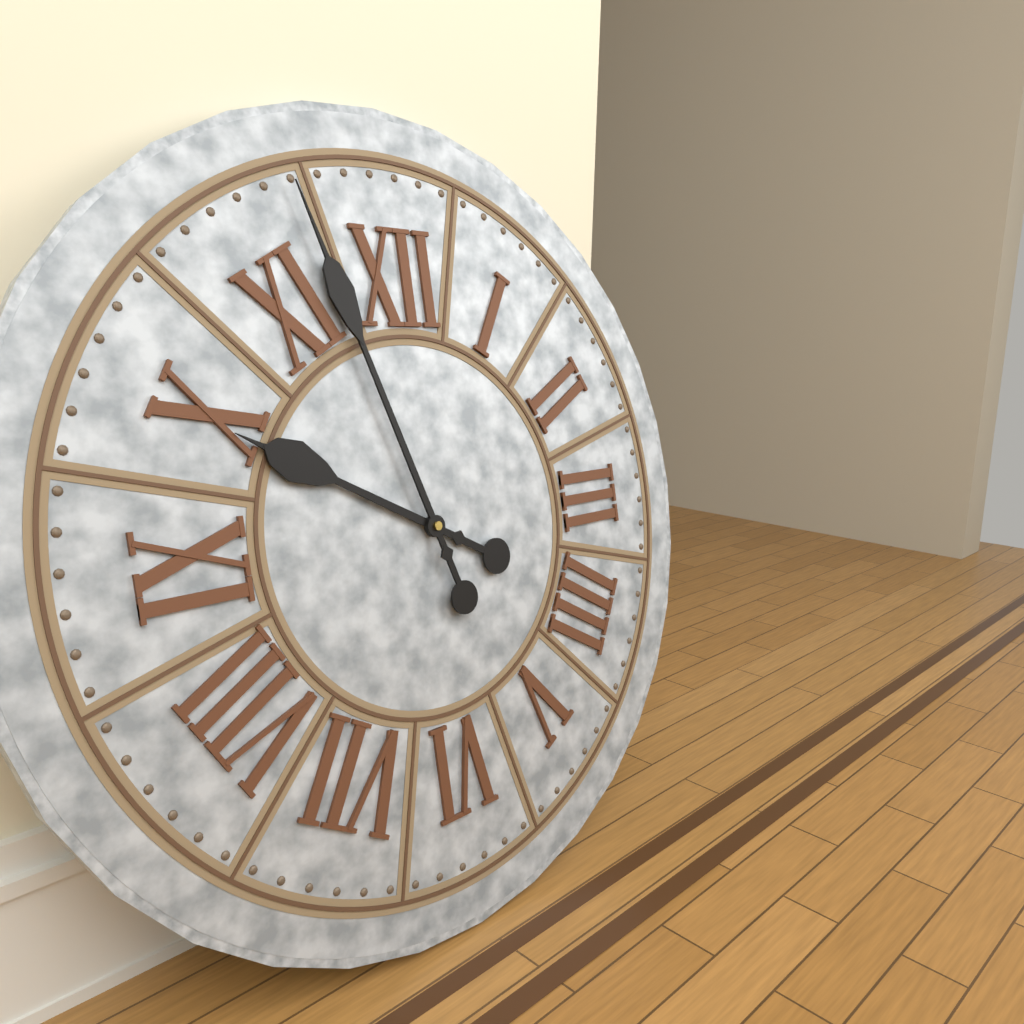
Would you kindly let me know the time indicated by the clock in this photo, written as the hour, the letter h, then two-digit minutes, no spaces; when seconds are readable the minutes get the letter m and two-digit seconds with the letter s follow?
9h57
